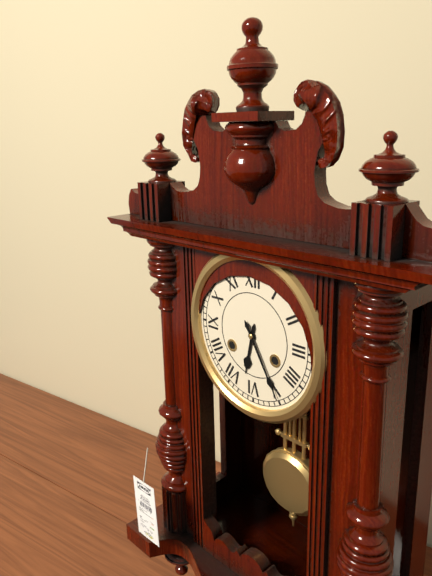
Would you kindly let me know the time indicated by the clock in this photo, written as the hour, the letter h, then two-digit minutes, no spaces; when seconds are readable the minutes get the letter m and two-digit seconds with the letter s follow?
6h25
